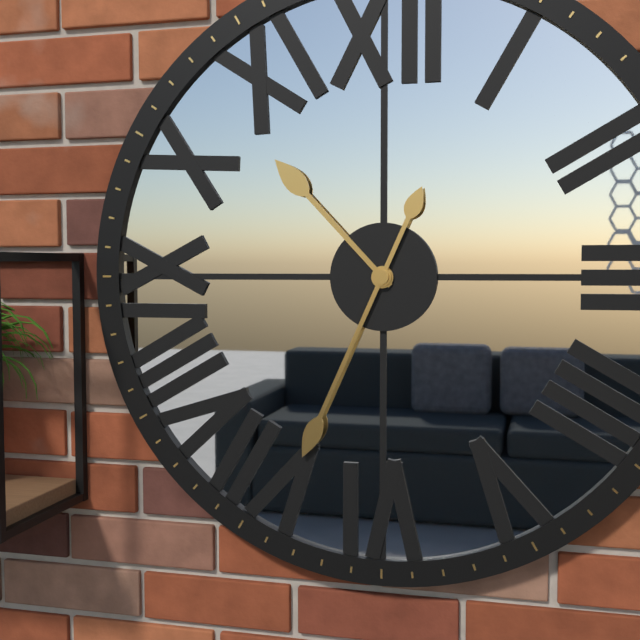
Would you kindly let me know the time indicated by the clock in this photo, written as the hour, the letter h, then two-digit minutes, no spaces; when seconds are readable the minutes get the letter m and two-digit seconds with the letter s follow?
10h34
